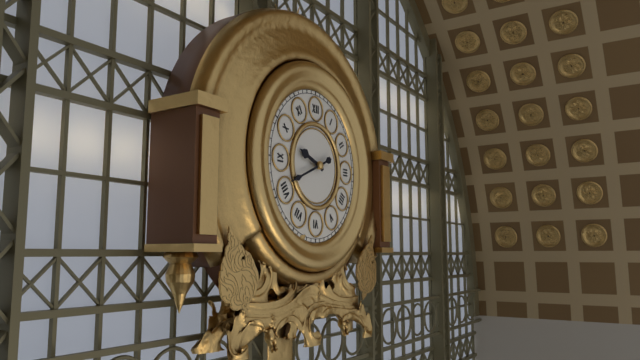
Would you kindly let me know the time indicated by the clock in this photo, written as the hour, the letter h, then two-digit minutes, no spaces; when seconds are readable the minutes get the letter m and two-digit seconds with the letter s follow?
9h41
